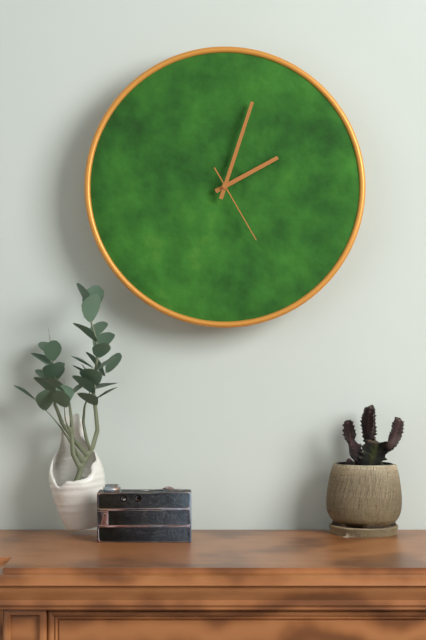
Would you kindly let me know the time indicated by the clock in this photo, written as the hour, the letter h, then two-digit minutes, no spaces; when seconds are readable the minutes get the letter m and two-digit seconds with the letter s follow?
2h03m25s
